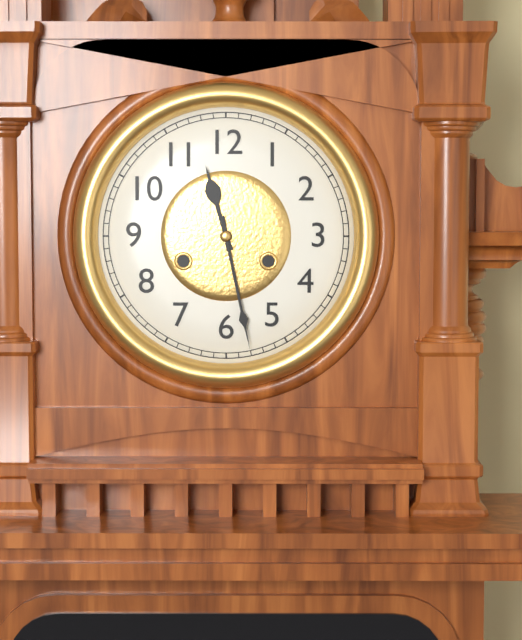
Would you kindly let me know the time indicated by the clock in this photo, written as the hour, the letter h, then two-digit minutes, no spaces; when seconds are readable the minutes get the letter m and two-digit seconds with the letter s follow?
11h28
